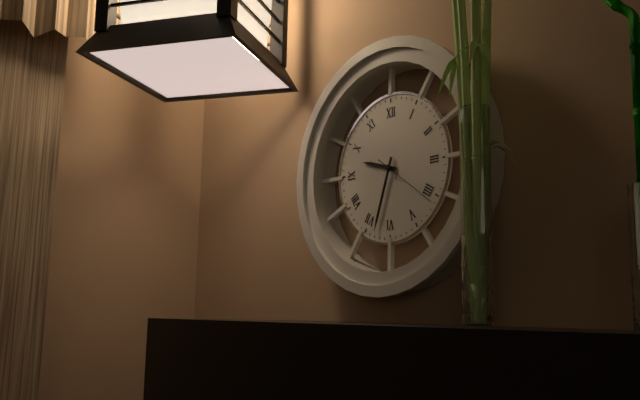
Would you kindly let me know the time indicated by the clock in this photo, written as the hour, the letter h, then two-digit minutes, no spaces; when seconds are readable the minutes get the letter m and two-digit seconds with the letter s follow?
9h33m21s
